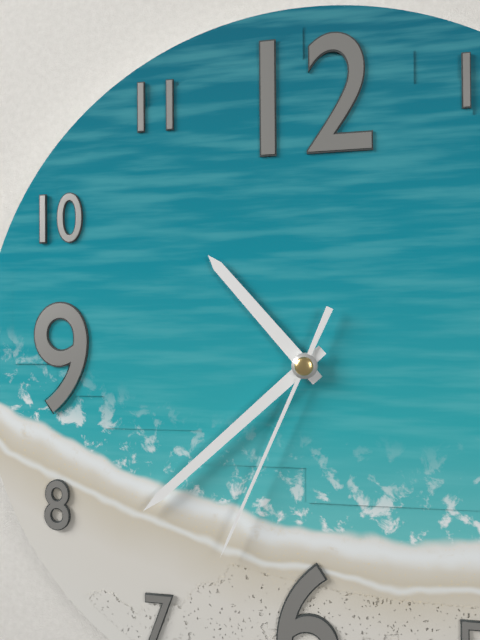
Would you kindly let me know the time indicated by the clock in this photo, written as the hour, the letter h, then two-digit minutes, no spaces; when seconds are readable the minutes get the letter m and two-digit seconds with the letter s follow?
10h38m34s
